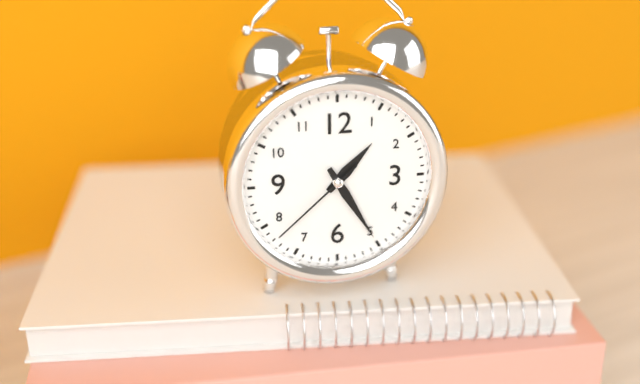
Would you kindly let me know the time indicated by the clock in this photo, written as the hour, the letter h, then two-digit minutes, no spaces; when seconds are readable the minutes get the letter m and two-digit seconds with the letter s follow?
1h25m38s
